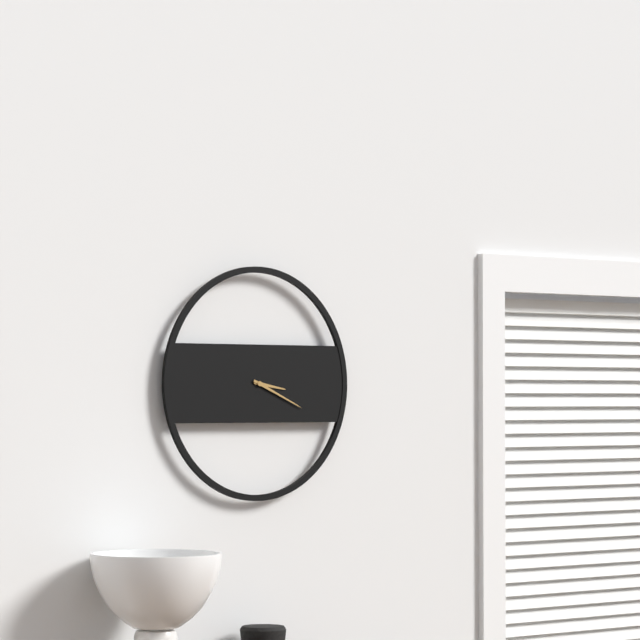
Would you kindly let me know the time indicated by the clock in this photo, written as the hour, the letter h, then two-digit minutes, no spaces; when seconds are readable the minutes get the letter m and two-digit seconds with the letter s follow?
3h19
